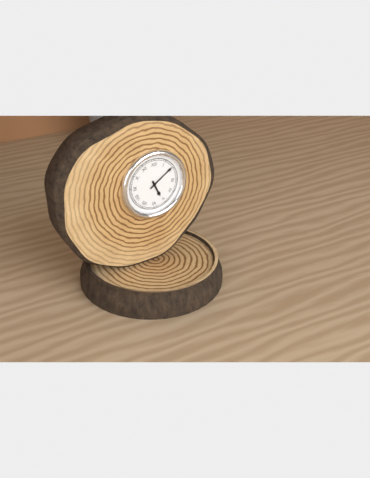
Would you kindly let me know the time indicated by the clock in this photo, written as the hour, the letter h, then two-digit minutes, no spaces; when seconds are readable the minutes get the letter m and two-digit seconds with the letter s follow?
5h09
